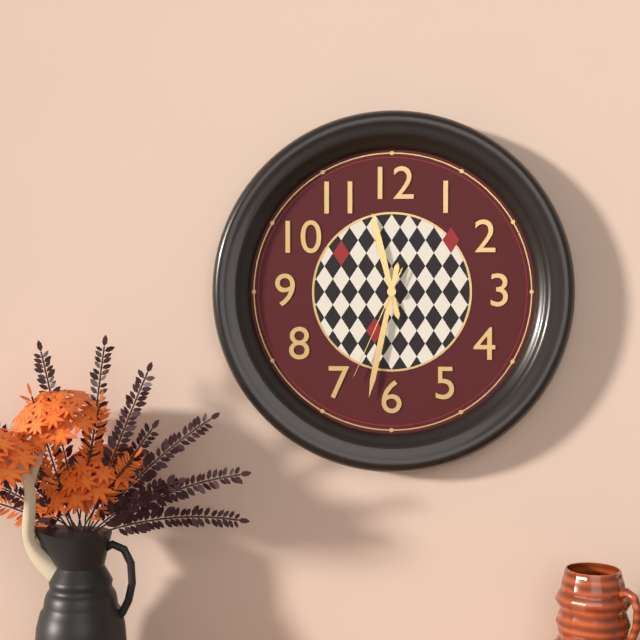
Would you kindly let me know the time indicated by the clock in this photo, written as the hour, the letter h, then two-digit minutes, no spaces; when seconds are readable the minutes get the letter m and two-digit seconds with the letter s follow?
11h32m34s
